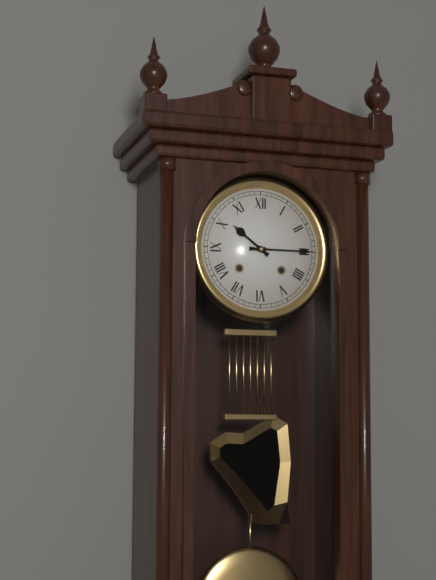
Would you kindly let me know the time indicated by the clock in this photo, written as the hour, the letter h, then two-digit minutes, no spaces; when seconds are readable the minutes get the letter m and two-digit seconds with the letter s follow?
10h15
